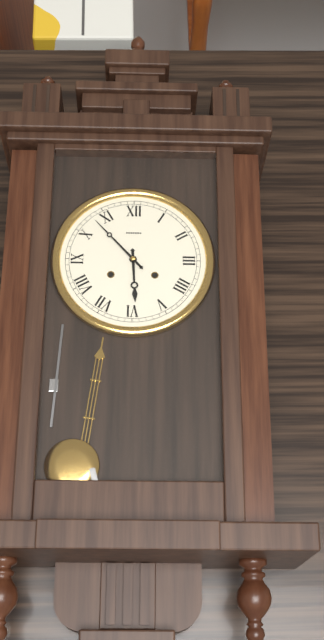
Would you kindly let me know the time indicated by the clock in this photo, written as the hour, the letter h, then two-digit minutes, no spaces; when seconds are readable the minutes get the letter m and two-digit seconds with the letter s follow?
5h53
